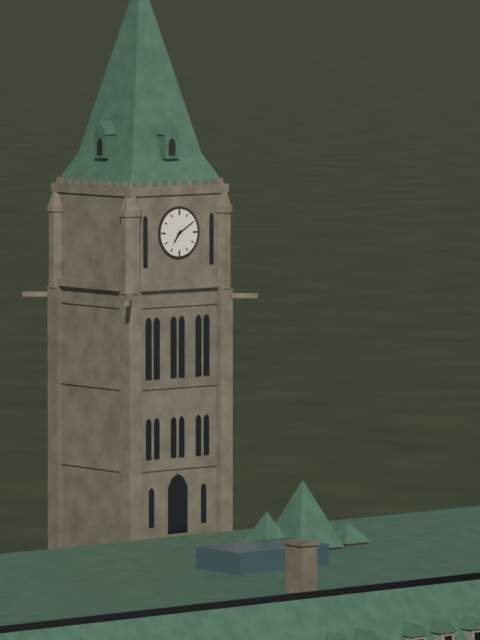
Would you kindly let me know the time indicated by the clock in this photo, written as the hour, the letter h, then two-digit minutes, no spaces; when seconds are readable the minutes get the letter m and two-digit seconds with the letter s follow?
7h10
